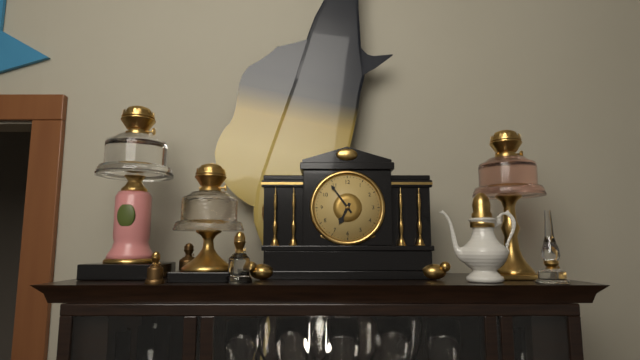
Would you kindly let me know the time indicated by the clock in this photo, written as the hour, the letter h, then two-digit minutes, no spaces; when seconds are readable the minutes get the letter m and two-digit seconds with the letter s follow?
6h54
